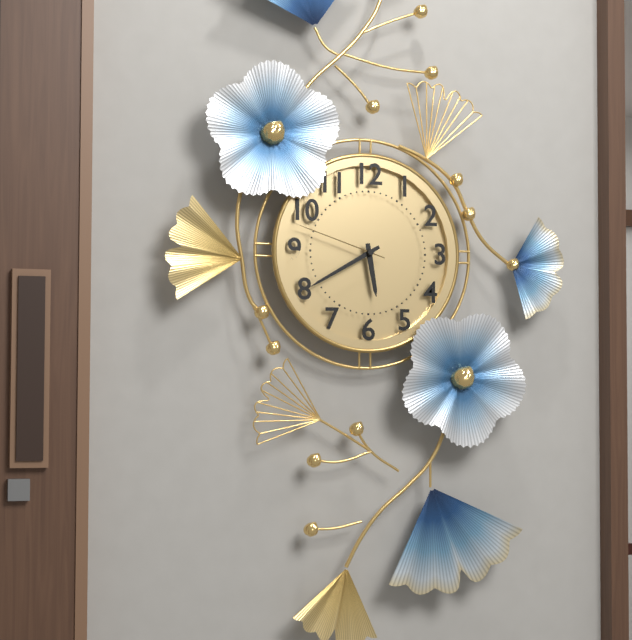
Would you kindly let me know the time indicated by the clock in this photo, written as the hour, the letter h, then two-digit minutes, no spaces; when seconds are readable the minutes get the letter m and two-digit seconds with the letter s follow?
5h40m48s
